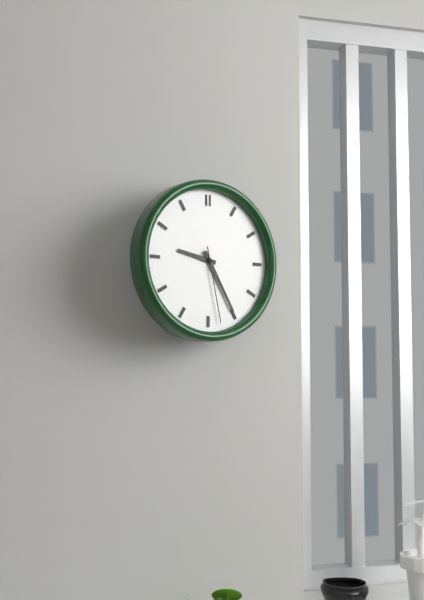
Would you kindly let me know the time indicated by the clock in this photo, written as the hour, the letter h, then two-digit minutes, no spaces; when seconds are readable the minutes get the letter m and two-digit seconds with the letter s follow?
9h25m28s
